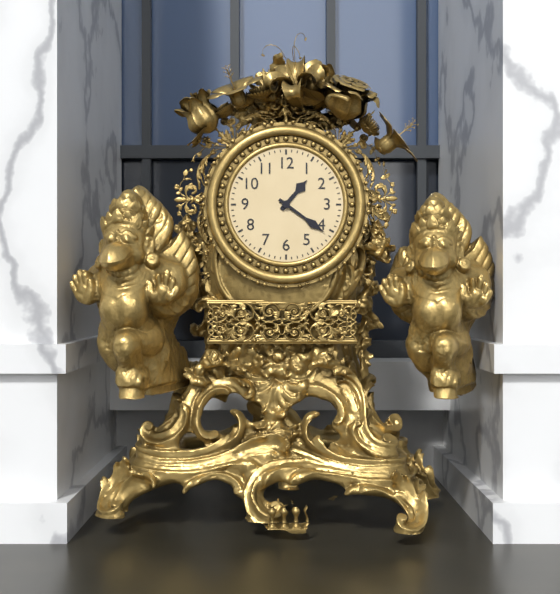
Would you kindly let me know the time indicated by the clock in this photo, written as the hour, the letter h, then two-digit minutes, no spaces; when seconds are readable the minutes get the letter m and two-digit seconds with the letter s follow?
1h21
